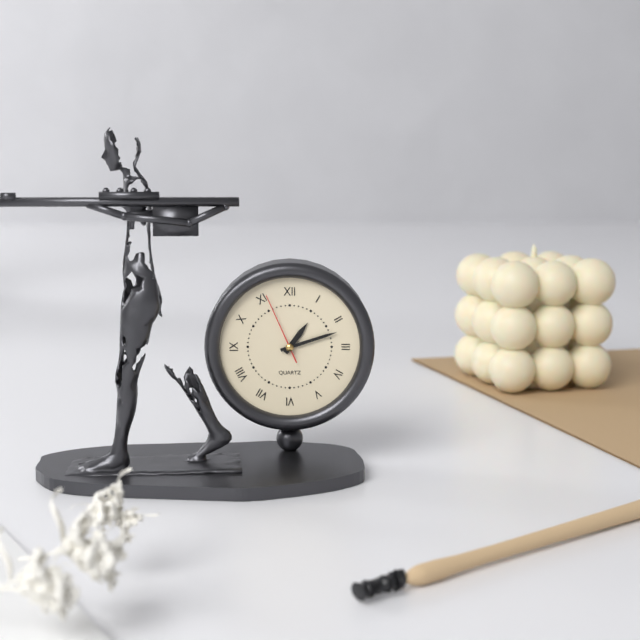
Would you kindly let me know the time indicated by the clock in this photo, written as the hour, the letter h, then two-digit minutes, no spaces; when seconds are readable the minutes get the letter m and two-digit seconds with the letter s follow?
1h12m56s
